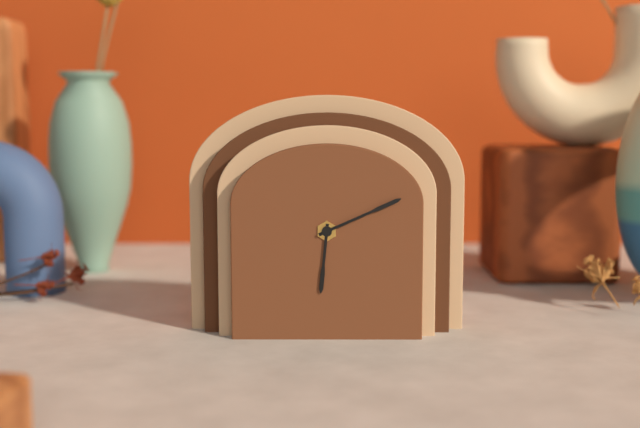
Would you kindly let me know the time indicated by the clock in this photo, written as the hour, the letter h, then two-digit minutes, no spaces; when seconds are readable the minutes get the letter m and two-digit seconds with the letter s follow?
6h11
